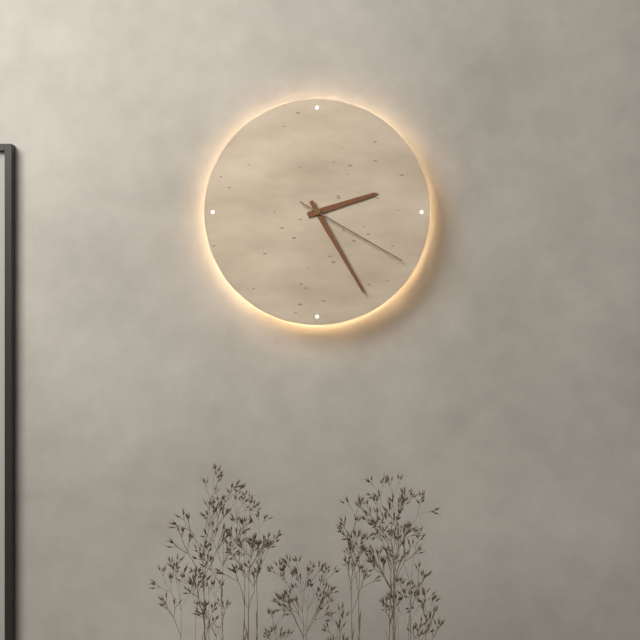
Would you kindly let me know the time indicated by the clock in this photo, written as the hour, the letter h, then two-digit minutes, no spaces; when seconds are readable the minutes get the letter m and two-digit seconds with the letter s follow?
2h25m20s
